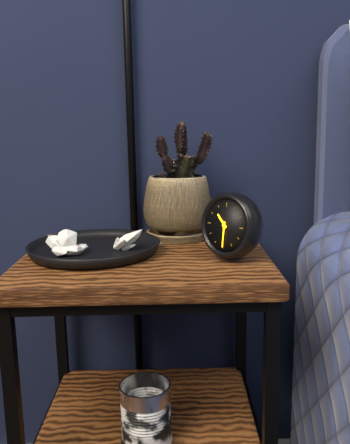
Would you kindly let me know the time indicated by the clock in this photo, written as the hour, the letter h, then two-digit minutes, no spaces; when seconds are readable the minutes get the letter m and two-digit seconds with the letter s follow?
10h30
